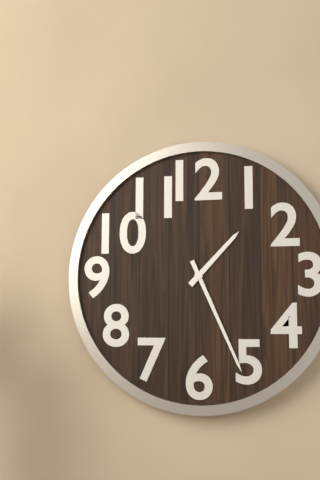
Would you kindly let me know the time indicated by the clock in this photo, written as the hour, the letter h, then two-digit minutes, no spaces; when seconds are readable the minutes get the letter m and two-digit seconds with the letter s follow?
1h26
